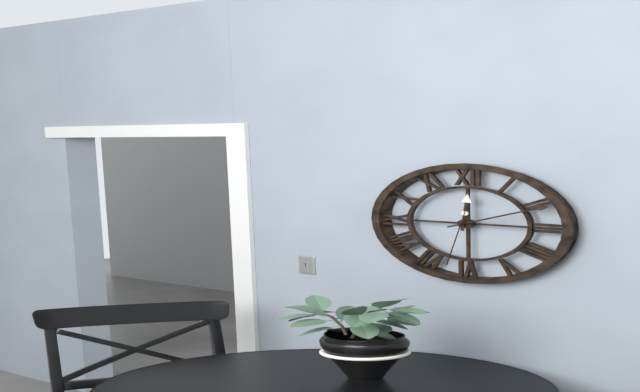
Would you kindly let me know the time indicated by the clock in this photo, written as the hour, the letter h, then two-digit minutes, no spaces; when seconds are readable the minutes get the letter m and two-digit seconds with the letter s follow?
12h11m32s
